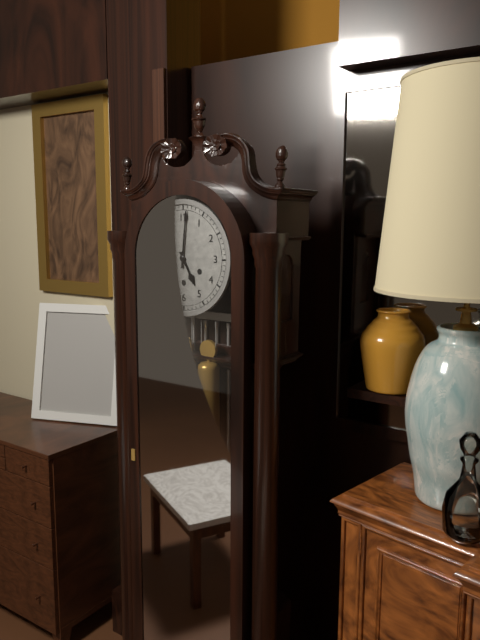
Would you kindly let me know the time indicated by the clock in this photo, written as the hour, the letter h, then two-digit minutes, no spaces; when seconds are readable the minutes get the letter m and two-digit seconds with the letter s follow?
5h01
